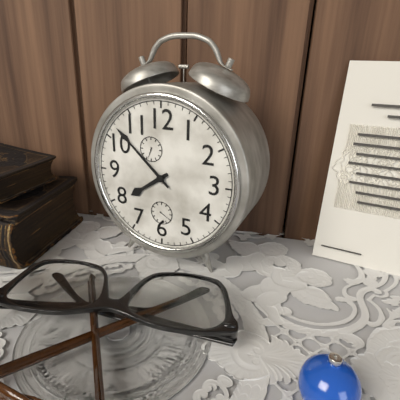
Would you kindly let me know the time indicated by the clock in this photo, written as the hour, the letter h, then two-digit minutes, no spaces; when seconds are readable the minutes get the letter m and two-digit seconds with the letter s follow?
7h52
